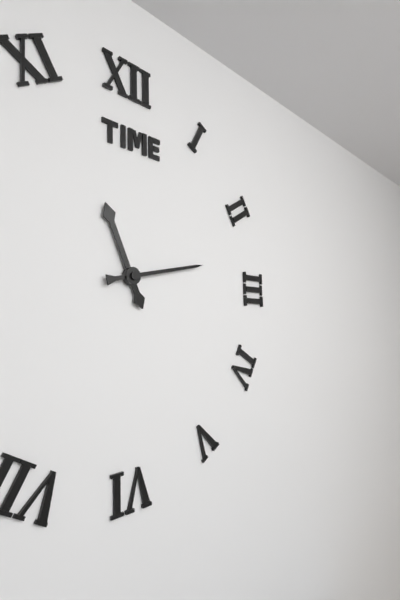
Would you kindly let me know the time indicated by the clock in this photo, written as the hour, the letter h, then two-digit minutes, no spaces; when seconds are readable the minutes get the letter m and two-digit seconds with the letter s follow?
11h13
